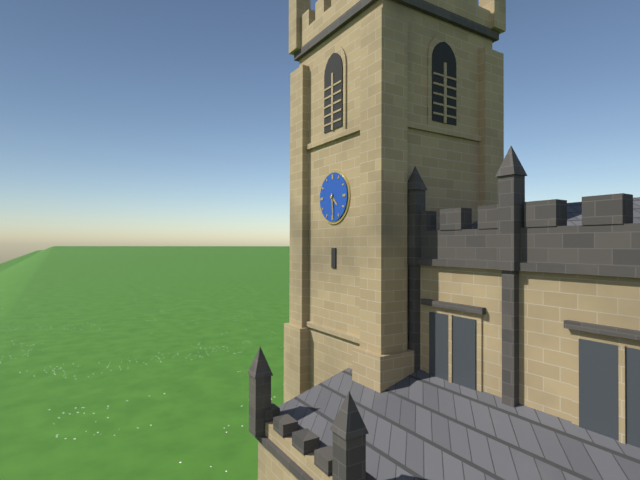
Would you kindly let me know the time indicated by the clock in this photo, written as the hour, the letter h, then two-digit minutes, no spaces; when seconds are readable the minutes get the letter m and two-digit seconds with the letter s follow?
4h29
